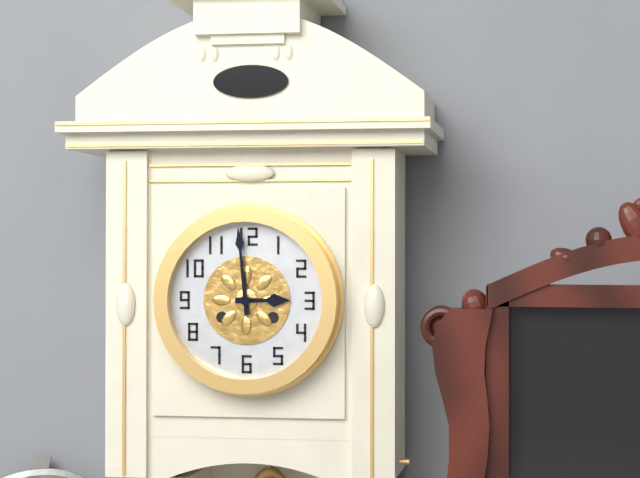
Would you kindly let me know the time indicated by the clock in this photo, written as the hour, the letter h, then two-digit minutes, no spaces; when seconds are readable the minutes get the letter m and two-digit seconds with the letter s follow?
2h59
